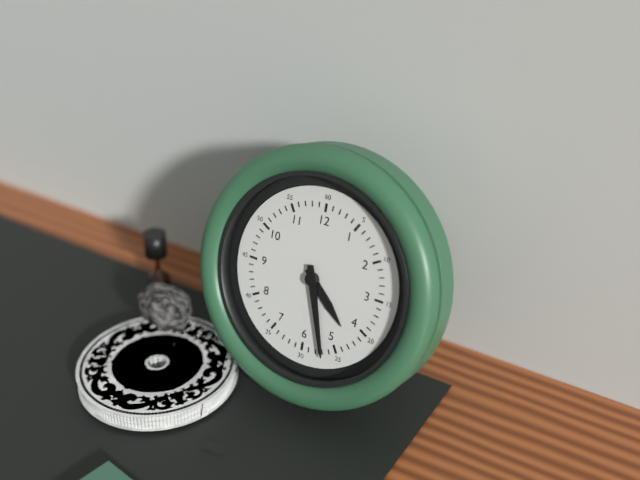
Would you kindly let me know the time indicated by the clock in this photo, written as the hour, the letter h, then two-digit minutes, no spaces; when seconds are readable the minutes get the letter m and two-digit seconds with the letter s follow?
4h27
